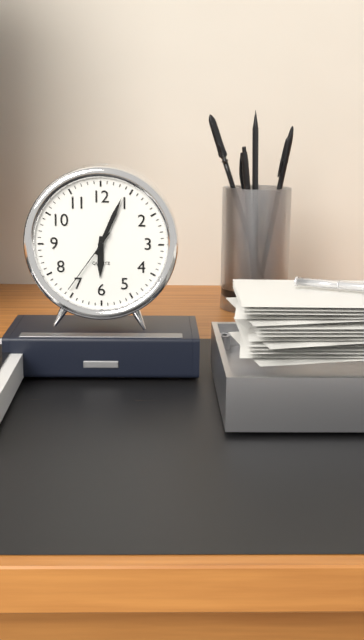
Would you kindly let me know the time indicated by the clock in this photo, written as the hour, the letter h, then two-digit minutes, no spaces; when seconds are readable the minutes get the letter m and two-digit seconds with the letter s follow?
6h04m36s
